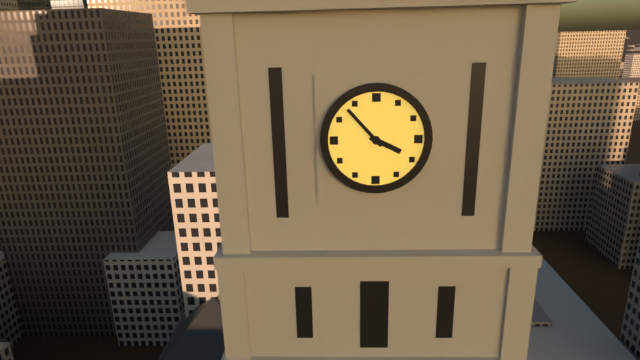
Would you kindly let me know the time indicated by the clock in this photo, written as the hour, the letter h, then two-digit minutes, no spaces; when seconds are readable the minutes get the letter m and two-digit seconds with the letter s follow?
3h53
